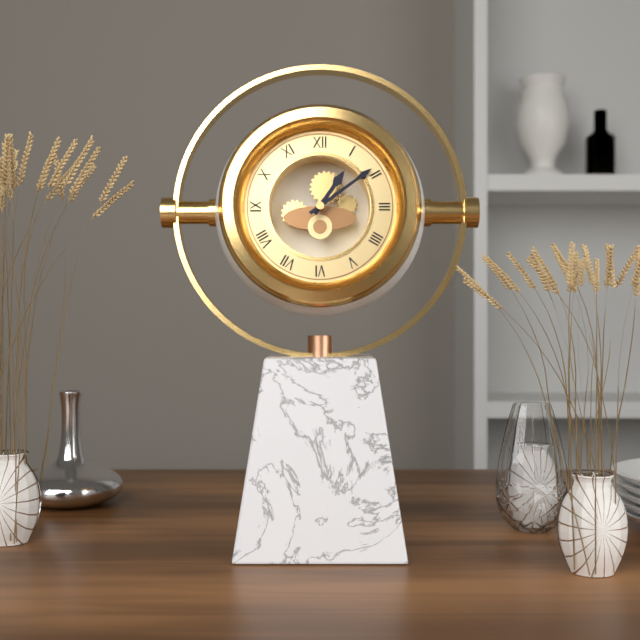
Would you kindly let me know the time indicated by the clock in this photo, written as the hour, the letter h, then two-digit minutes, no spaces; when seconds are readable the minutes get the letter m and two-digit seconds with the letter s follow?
1h09
